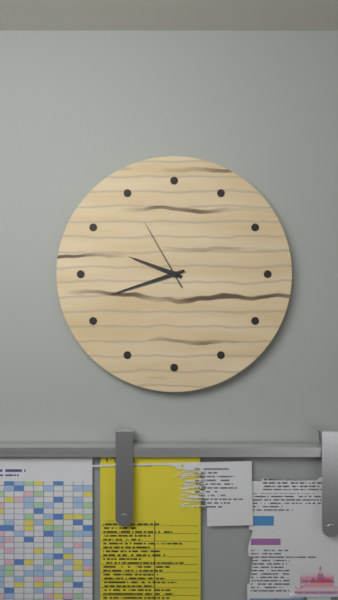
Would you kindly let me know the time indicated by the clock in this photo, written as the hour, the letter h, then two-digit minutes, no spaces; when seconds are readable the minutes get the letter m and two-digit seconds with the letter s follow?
9h42m55s
